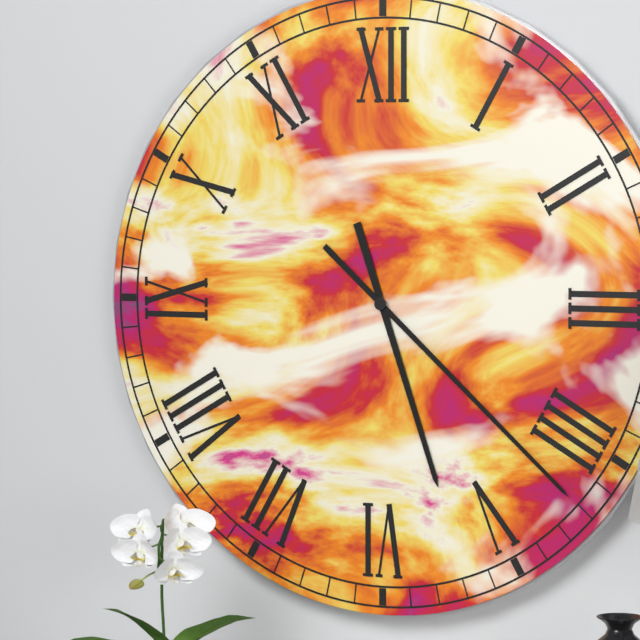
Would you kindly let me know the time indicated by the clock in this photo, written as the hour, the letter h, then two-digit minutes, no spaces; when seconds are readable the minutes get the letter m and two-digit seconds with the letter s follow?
5h22
